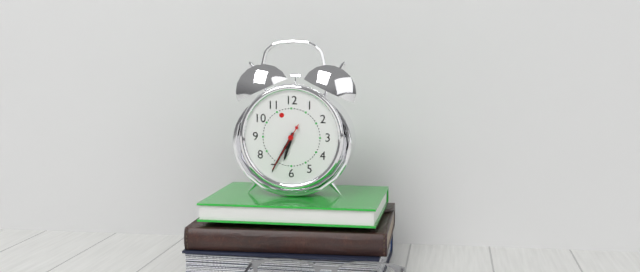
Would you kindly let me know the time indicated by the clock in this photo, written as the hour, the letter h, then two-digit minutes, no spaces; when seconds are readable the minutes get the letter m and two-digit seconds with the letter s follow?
6h35
